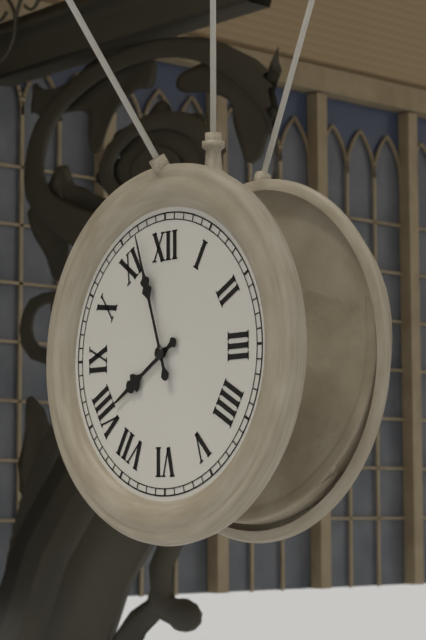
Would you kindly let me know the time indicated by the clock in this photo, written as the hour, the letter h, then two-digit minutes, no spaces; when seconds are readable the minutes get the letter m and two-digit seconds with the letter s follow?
7h57
